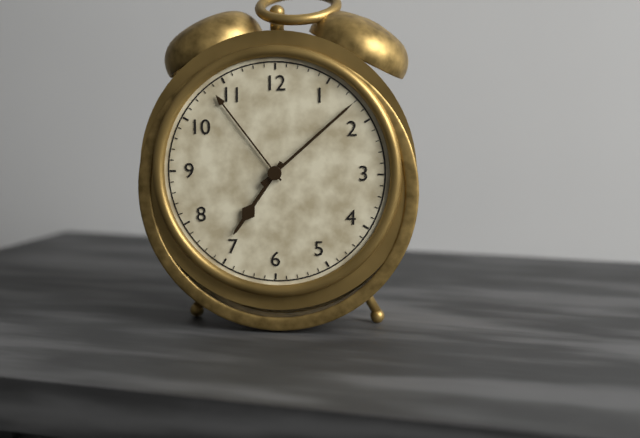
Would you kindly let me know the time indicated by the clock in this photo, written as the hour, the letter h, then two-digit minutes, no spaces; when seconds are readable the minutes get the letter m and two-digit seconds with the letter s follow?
7h08
